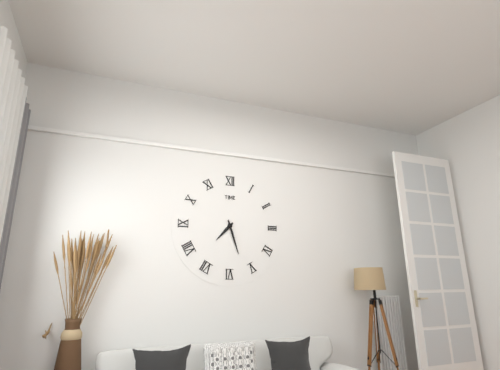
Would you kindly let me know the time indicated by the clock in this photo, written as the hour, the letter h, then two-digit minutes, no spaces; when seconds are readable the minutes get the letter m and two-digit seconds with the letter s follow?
7h27
